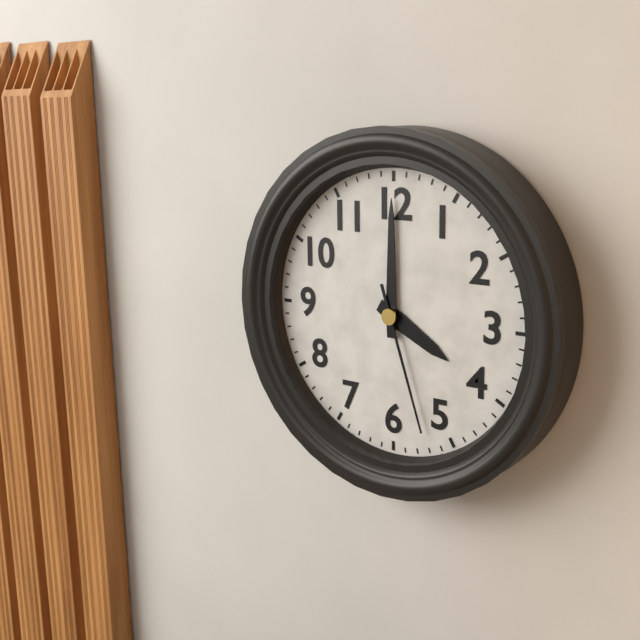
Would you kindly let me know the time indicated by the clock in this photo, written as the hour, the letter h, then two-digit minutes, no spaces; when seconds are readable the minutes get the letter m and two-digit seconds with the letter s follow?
4h00m27s
